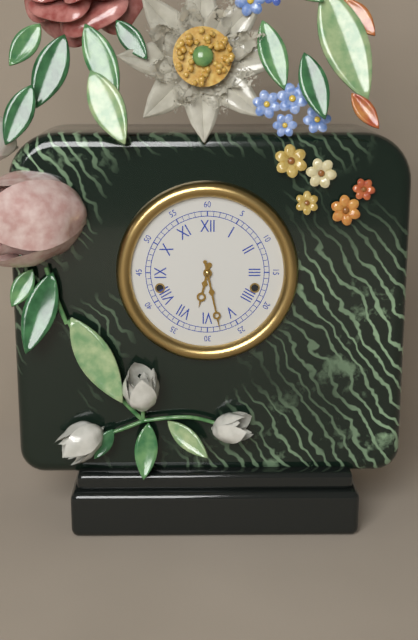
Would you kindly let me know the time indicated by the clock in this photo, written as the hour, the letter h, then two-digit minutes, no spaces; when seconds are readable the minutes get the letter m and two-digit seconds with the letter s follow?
6h28
